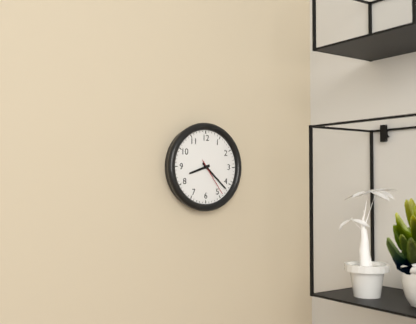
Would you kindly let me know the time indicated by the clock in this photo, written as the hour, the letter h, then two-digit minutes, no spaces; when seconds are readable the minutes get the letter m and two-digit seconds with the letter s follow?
8h22
